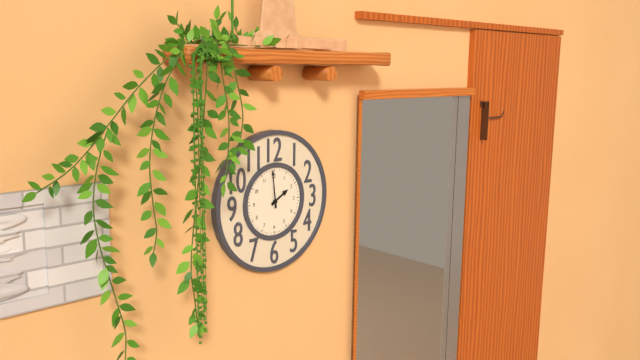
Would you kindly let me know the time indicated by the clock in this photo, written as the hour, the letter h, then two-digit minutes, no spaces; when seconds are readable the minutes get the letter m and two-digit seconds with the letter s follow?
1h59
